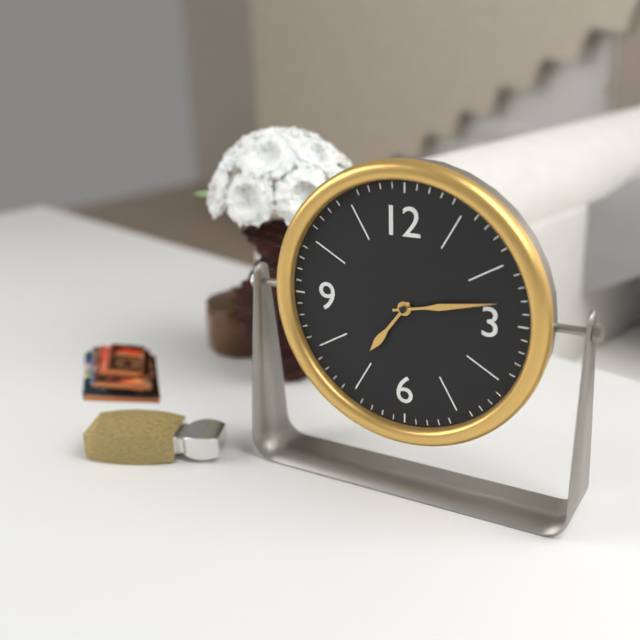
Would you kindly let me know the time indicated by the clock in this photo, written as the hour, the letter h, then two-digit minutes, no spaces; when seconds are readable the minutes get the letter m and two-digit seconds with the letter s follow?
7h13
